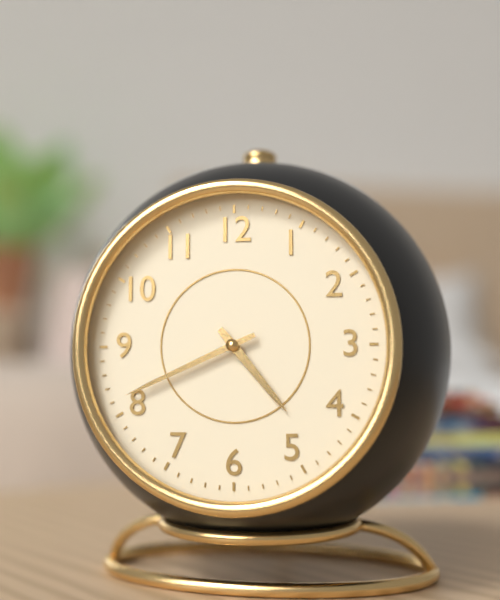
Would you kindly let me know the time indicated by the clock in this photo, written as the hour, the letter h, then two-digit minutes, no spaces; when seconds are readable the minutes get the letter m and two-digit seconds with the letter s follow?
4h41
